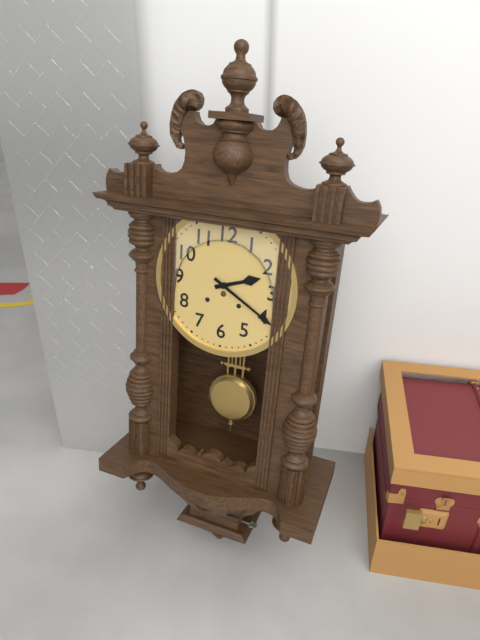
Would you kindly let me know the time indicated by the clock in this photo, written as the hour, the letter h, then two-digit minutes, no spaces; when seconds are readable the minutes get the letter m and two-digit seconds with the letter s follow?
2h20
